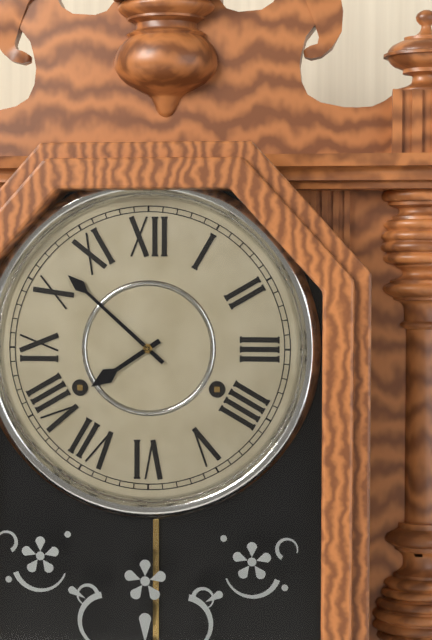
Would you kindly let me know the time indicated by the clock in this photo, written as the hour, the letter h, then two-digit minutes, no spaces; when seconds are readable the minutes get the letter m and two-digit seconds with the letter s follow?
7h52
